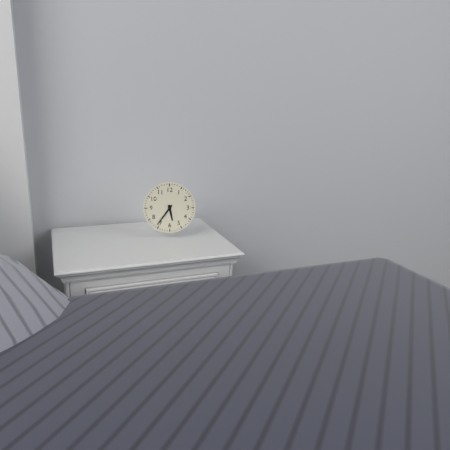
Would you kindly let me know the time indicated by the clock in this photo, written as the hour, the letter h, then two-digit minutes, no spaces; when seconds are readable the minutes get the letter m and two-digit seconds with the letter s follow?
5h36
